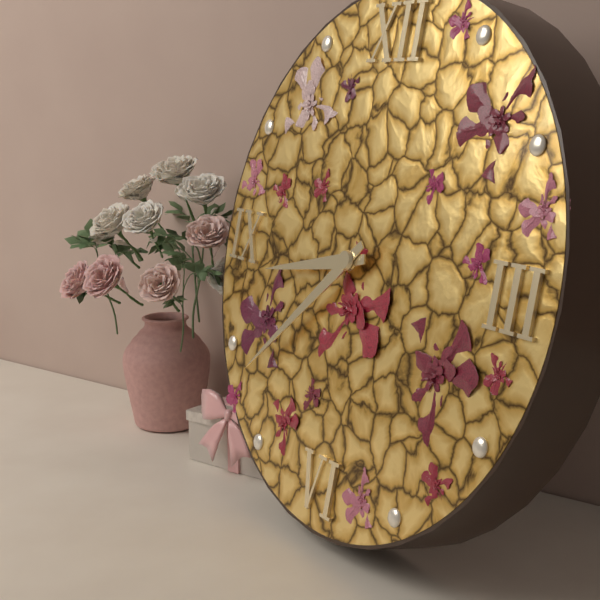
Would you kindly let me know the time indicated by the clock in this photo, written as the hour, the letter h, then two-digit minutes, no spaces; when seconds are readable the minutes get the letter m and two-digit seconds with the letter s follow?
8h38
